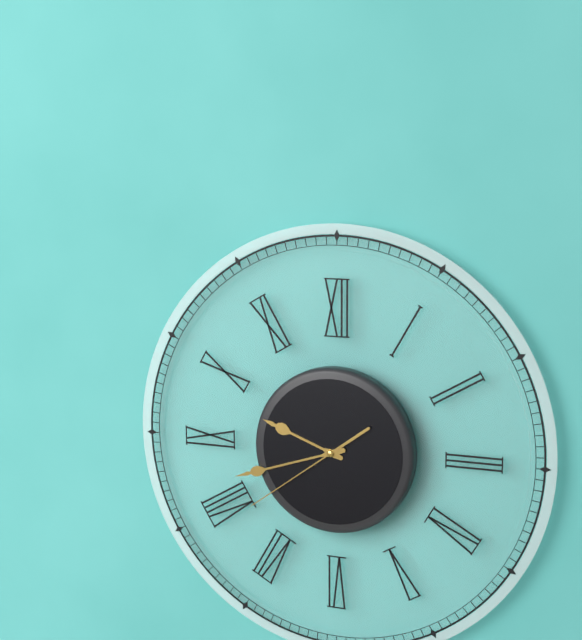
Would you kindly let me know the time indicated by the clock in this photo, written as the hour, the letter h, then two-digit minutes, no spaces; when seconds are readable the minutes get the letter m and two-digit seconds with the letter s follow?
9h42m39s
